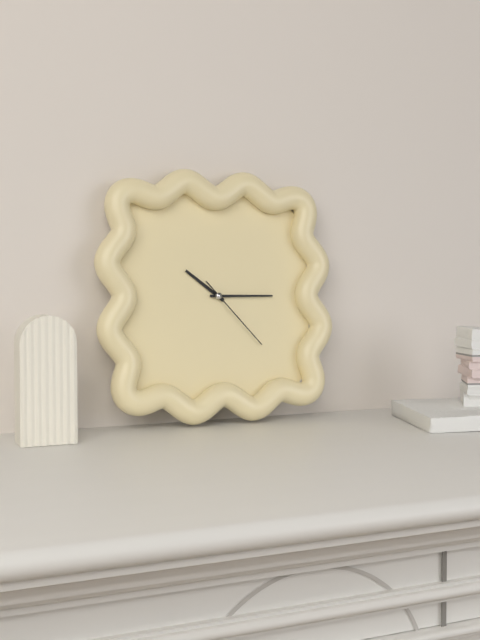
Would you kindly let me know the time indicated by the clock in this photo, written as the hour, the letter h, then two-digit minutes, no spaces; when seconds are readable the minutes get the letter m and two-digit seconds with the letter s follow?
10h15m23s
